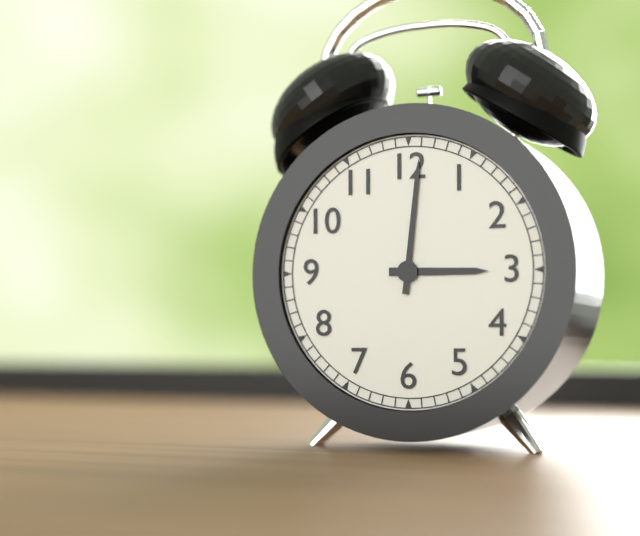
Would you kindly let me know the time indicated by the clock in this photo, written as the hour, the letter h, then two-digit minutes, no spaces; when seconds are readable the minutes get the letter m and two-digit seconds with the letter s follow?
3h01
